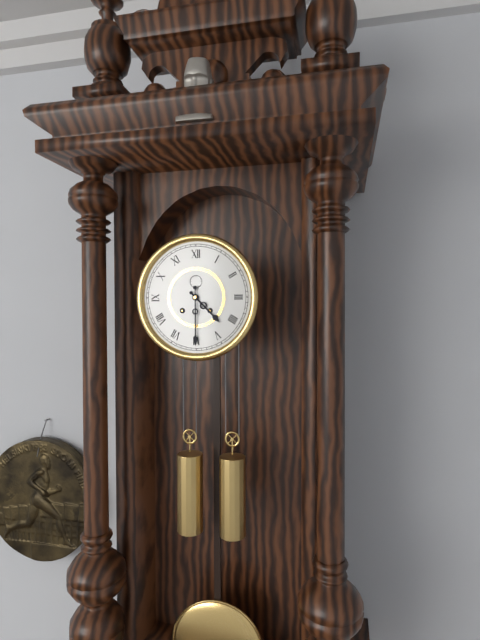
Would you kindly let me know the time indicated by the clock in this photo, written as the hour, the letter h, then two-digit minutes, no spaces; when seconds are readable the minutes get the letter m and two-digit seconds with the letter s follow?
4h30
